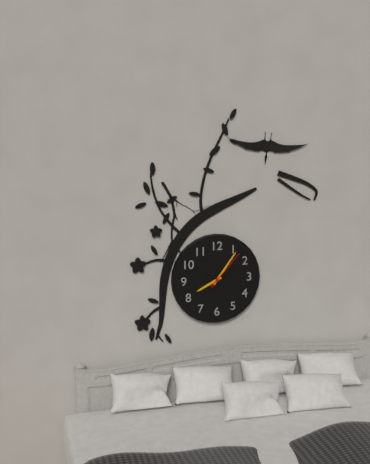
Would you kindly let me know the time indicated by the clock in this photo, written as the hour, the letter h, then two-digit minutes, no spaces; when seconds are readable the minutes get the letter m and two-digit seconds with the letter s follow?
8h06
